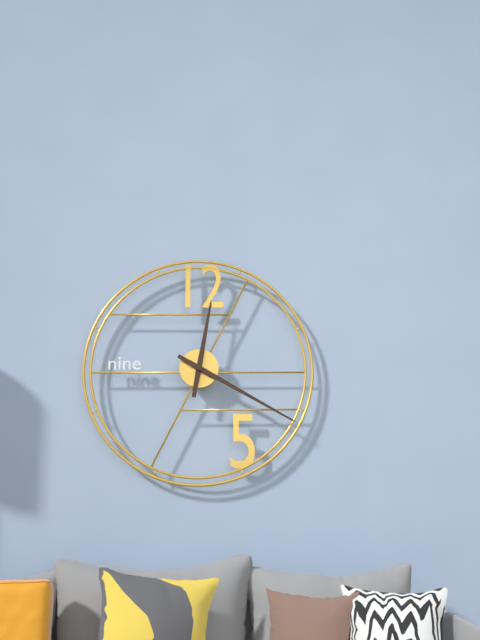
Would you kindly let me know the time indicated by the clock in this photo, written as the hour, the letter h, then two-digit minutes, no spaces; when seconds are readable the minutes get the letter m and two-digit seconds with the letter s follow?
12h20
